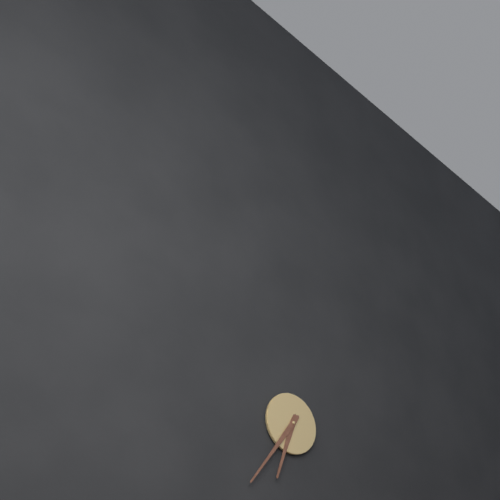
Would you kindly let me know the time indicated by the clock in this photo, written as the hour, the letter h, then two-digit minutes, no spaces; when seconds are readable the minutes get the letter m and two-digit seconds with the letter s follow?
6h36
